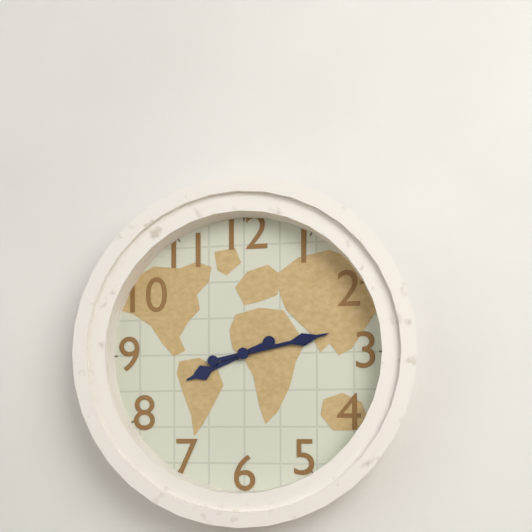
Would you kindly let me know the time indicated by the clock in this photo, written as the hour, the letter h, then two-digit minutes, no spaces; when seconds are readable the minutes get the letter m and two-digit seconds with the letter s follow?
8h13
